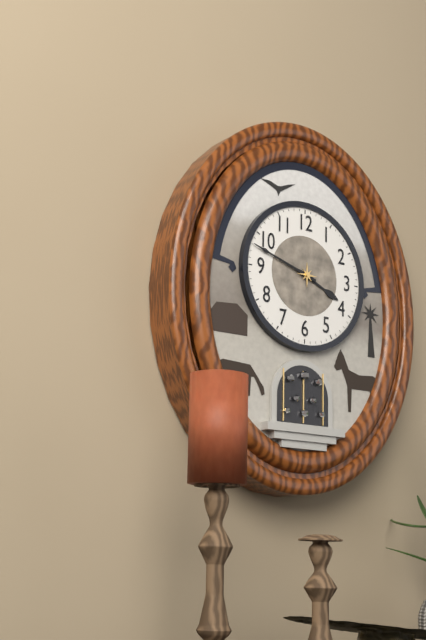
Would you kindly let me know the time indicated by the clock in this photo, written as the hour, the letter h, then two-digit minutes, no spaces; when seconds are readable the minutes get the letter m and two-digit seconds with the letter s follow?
3h48
